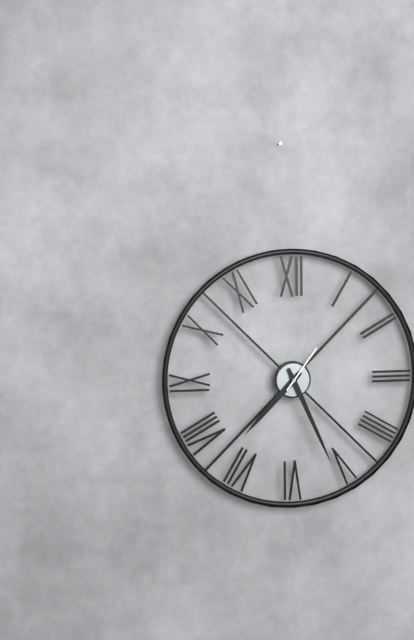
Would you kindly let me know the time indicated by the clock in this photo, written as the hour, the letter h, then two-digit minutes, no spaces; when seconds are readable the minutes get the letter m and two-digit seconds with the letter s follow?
7h26m06s
